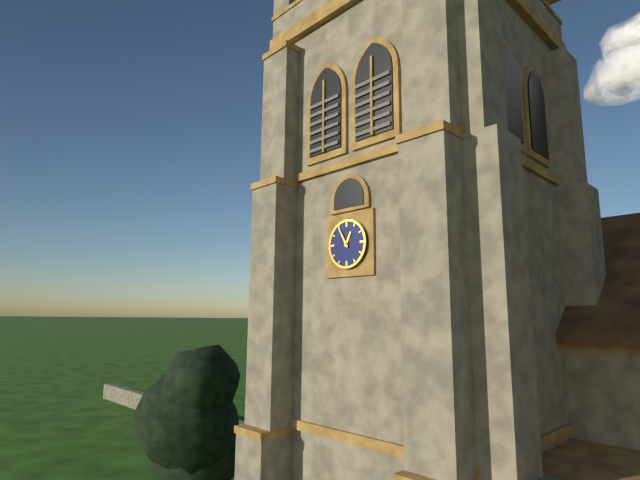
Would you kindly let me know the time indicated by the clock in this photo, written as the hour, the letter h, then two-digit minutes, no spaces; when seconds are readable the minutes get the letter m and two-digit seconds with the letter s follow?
12h55
